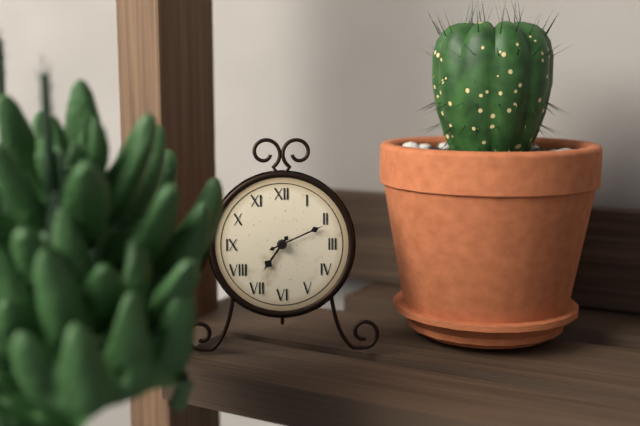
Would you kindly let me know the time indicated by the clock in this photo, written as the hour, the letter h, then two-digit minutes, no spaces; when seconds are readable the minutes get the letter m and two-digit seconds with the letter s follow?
7h11
